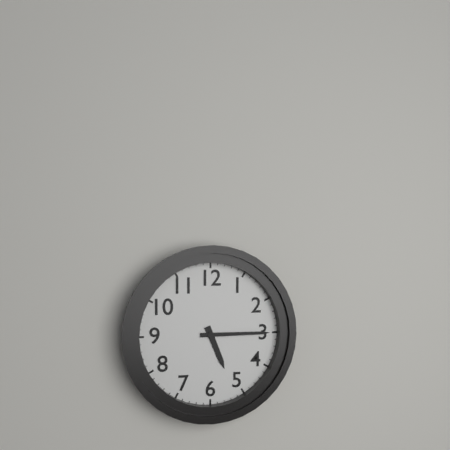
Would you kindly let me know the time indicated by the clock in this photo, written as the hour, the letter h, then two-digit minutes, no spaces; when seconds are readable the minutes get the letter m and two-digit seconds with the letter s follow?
5h15
